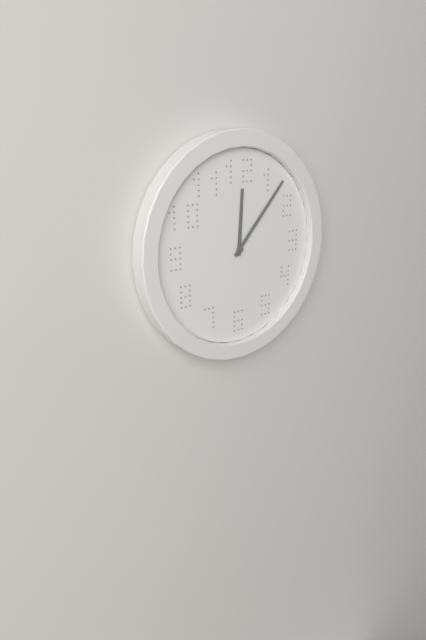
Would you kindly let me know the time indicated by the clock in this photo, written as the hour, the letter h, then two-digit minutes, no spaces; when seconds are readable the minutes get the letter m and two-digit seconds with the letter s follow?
12h07
